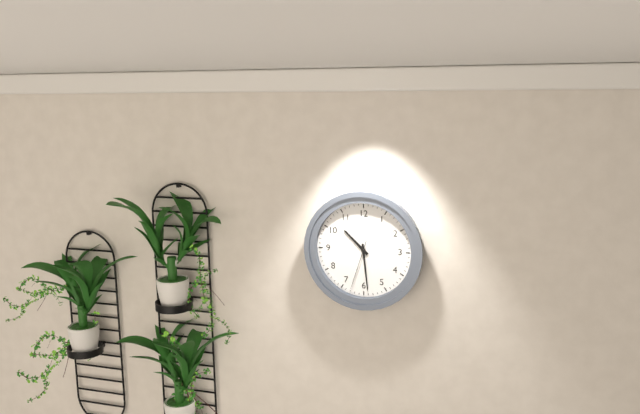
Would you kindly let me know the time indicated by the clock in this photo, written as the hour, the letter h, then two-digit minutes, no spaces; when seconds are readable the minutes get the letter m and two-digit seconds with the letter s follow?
10h29m33s
